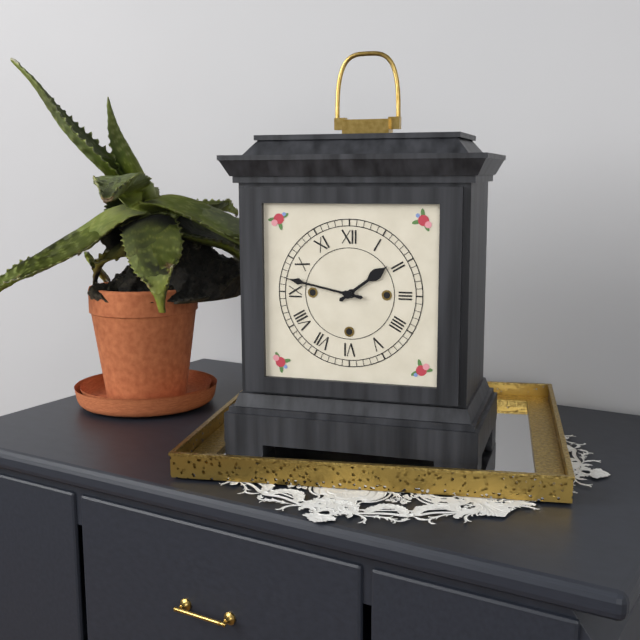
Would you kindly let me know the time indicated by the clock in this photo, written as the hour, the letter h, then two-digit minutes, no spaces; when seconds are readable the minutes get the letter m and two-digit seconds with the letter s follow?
1h47
